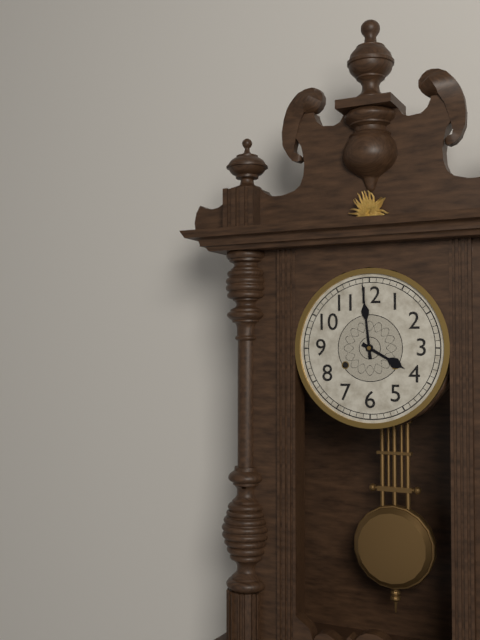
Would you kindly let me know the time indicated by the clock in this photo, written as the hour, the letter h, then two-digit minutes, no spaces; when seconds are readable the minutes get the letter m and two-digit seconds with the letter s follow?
3h59
